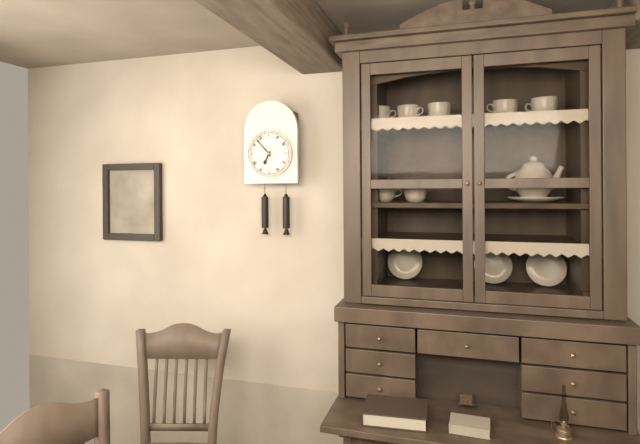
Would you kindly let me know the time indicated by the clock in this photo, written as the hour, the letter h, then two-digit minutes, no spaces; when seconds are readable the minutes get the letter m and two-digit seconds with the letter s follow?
6h53
